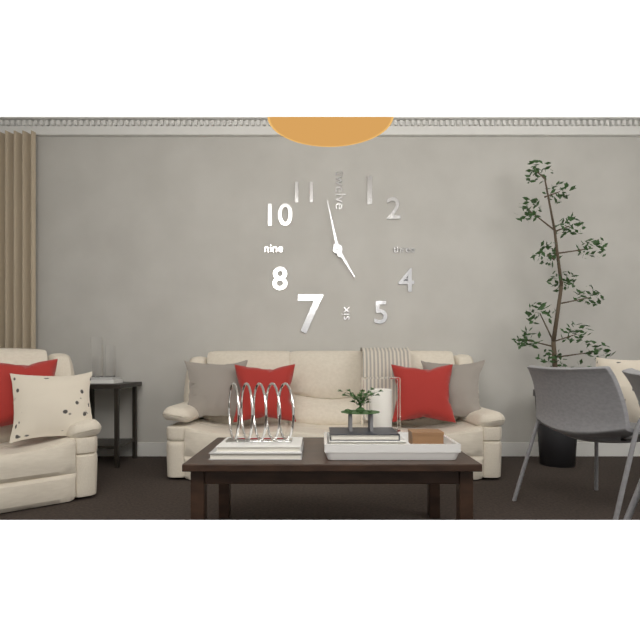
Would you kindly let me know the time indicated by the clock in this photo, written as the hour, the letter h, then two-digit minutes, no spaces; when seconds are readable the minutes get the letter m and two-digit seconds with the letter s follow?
4h58
